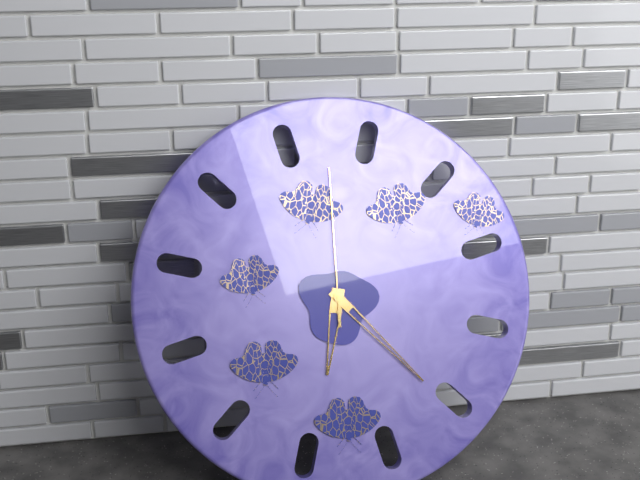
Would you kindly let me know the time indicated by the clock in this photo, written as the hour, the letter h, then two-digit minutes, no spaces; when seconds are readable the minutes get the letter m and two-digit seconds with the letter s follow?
6h23m00s
